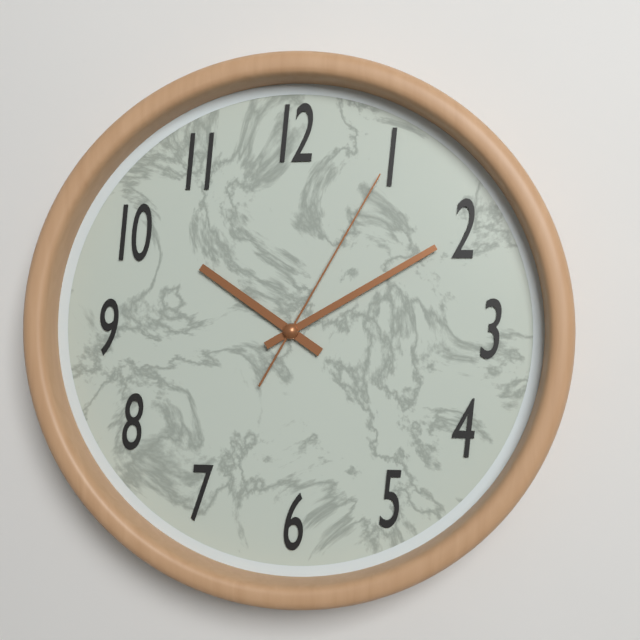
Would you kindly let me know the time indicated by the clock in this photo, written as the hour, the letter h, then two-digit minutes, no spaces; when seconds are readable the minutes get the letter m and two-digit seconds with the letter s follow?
10h10m05s
